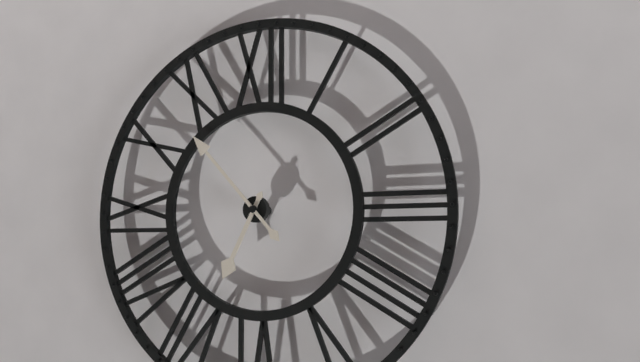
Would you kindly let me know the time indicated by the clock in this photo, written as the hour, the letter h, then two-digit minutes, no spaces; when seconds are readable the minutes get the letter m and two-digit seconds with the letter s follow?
6h53
